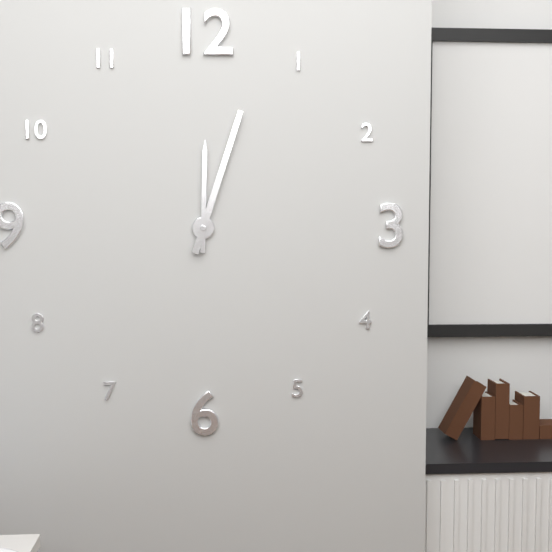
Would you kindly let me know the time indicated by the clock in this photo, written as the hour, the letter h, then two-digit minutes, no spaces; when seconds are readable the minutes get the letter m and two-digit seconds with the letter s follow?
12h03
